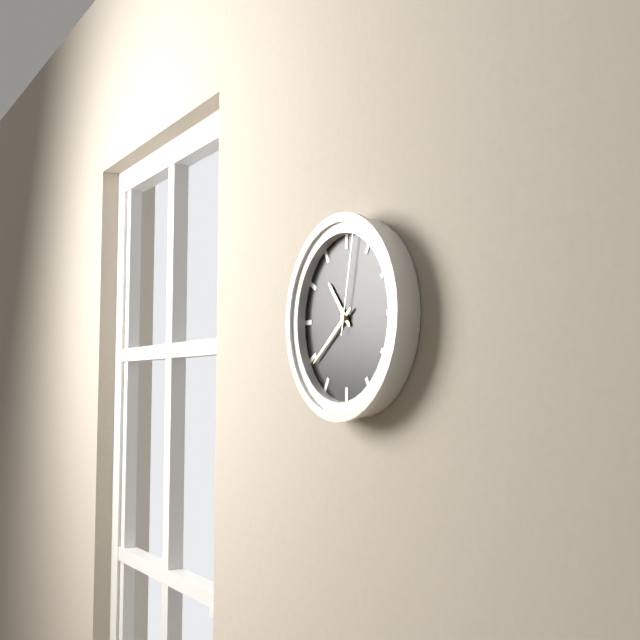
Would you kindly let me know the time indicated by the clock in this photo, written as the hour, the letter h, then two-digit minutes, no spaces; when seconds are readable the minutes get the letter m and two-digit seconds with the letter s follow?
10h39m02s
